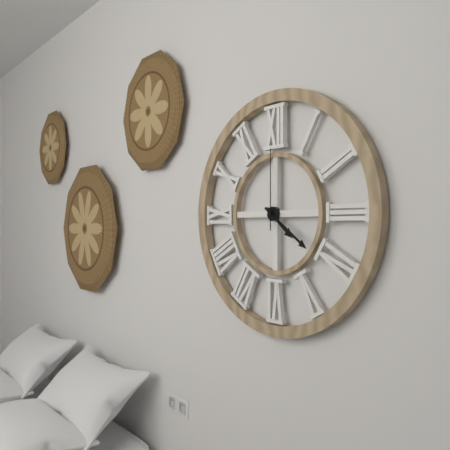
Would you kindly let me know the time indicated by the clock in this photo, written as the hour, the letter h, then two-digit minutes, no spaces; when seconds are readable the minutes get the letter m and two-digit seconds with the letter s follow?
4h21m00s
